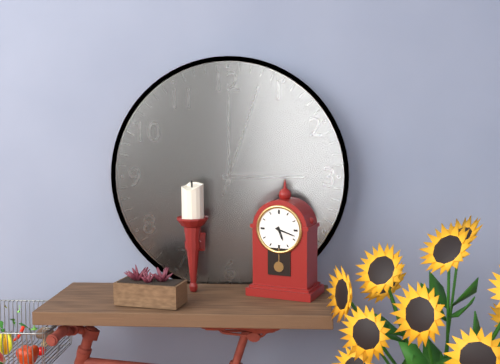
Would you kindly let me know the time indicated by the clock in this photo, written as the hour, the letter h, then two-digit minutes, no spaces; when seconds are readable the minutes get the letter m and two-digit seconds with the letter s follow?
5h18
